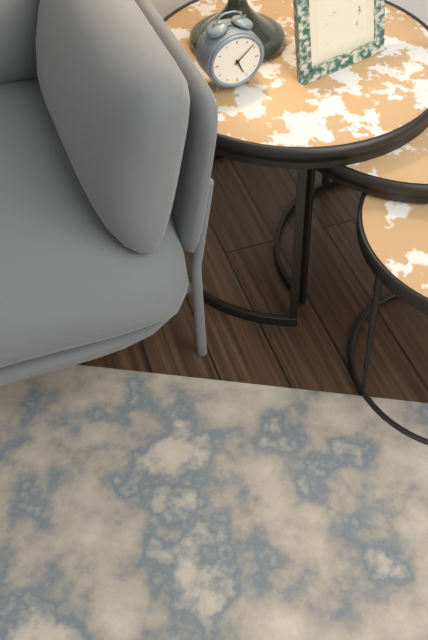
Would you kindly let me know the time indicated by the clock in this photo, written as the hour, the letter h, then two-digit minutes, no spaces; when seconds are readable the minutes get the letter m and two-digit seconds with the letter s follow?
5h08
